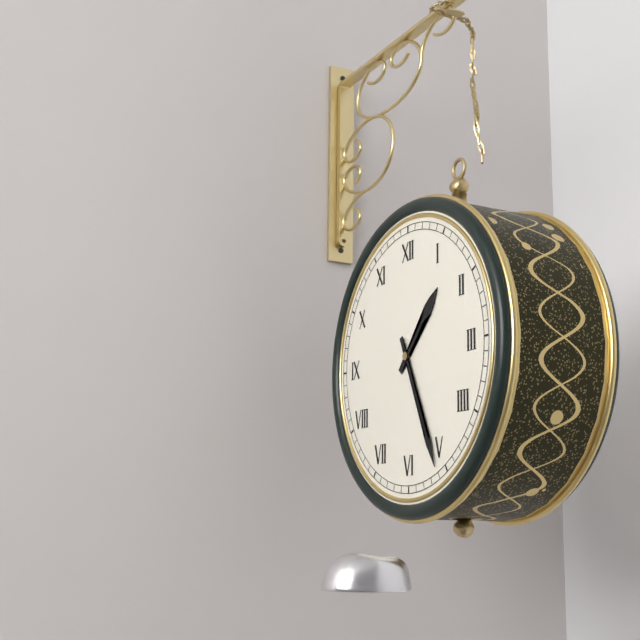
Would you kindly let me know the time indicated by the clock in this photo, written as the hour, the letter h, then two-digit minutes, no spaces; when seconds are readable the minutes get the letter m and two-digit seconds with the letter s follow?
1h26
